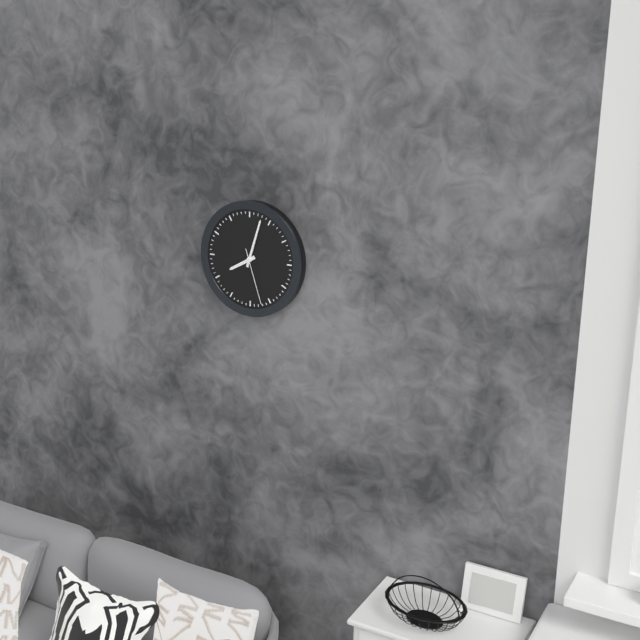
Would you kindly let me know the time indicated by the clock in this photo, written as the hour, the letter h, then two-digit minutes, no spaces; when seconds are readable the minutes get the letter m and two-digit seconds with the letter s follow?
8h03m27s
